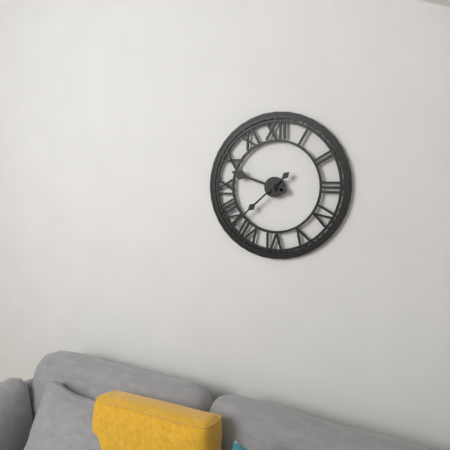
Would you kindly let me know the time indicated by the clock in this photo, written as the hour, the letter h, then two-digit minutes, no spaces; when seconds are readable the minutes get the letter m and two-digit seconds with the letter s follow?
9h38
